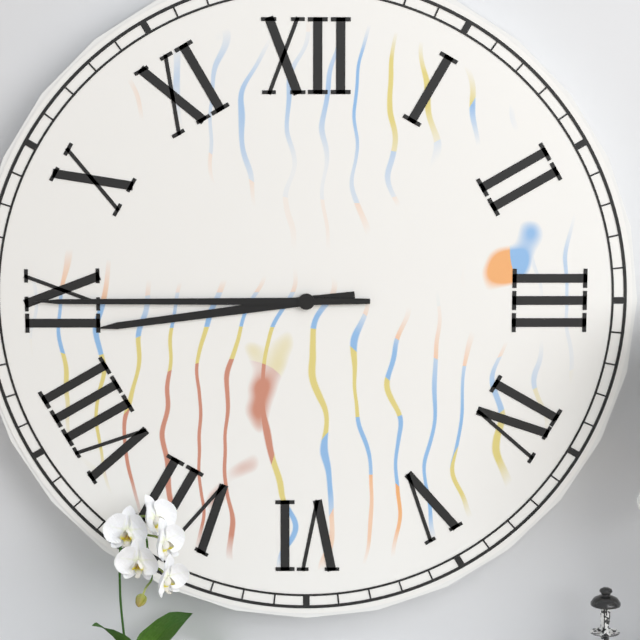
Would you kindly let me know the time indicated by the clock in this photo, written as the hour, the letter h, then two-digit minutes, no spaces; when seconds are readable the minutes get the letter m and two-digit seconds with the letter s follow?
8h45
